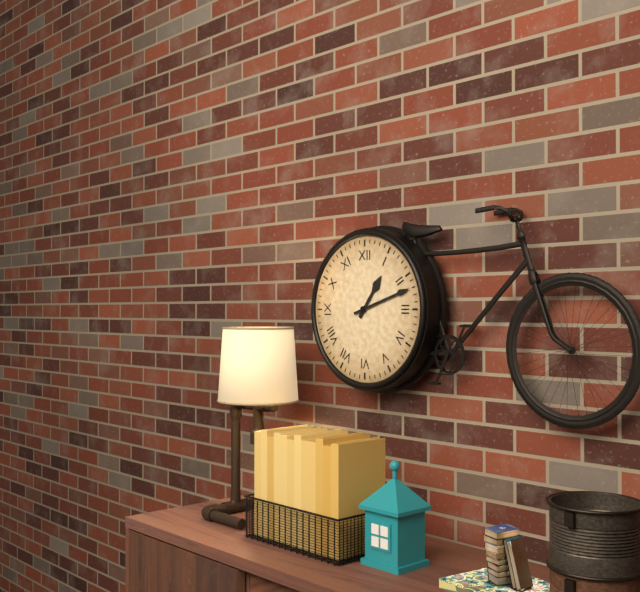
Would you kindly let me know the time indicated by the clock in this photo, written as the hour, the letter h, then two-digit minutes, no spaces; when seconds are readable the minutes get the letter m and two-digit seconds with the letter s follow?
1h12
